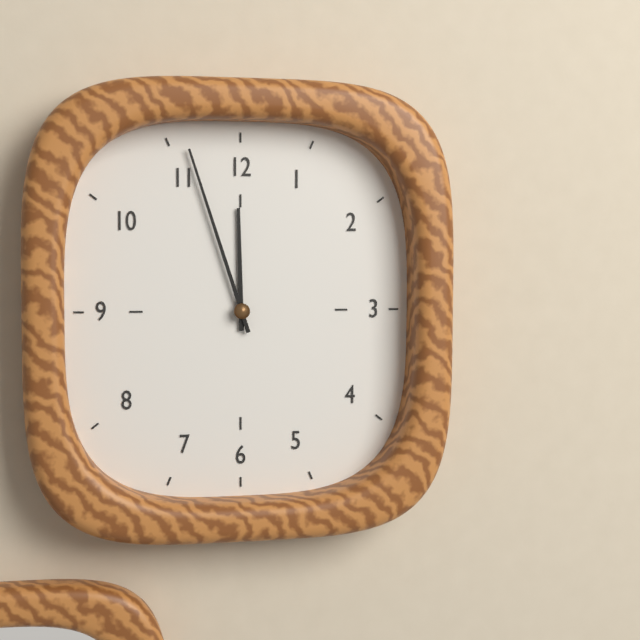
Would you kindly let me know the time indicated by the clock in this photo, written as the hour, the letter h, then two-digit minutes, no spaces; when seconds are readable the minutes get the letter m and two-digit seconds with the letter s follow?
11h57
